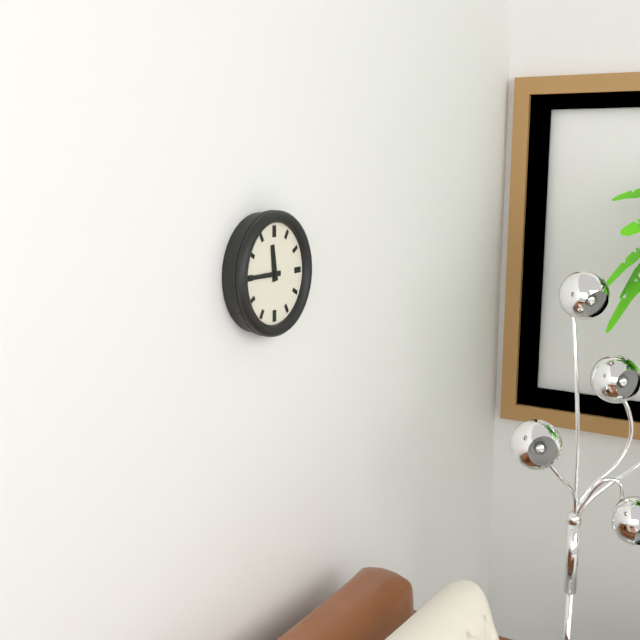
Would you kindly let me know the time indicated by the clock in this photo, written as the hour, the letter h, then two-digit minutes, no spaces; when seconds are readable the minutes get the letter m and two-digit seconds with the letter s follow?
11h45
